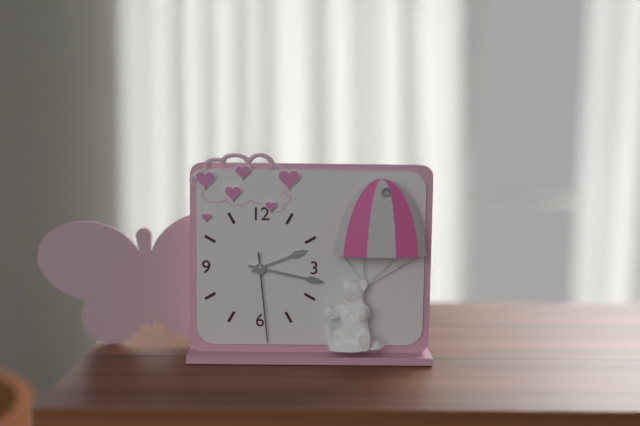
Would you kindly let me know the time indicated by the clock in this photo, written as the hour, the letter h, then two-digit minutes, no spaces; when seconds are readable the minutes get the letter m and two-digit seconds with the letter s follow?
2h17m29s
